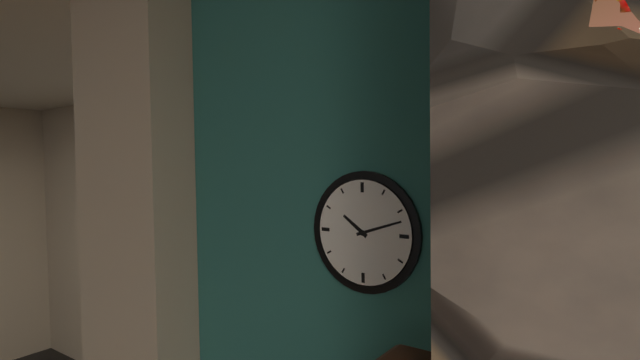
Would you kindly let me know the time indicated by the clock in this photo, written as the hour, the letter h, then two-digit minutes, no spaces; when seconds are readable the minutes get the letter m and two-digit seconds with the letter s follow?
10h12
